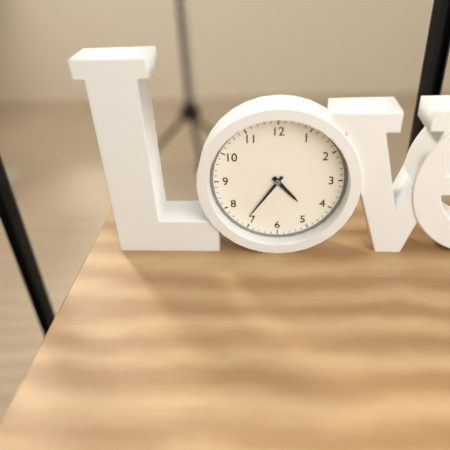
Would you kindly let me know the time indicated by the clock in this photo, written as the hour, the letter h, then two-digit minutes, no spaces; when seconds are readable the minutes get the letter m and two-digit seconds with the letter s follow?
4h36
